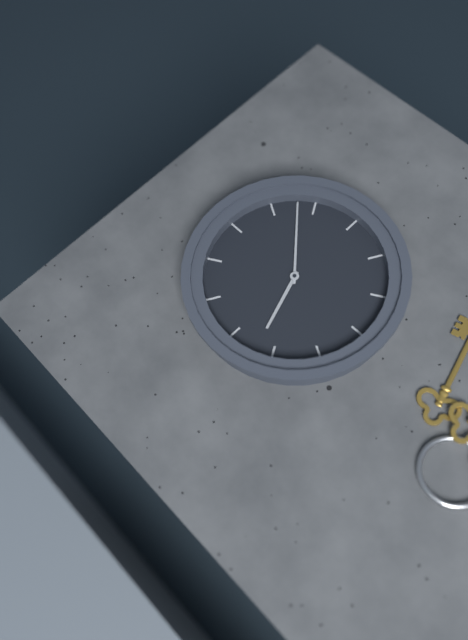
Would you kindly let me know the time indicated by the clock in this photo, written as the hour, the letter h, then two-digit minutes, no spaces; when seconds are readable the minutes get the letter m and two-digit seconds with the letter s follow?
11h23
